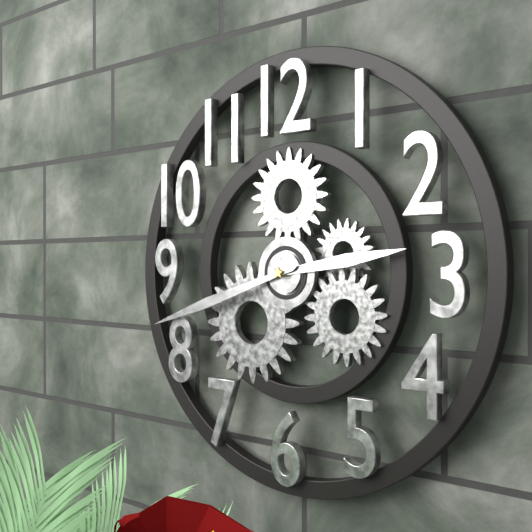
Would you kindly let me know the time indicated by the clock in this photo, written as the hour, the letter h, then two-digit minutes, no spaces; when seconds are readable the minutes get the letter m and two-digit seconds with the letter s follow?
2h42
